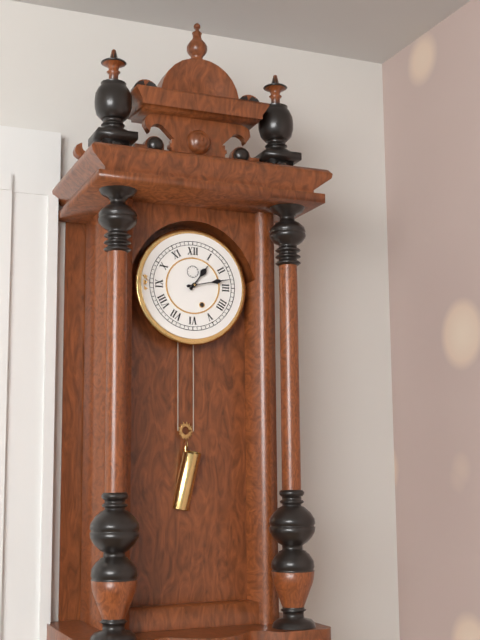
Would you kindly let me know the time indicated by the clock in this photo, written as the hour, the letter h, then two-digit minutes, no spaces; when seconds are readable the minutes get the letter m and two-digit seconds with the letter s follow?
1h13
